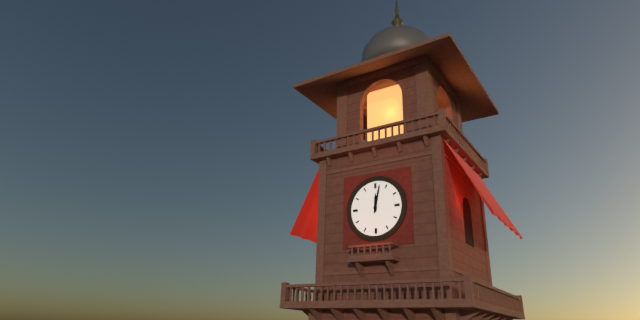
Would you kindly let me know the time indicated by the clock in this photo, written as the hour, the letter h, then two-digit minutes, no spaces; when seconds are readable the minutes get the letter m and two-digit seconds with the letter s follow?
12h02
